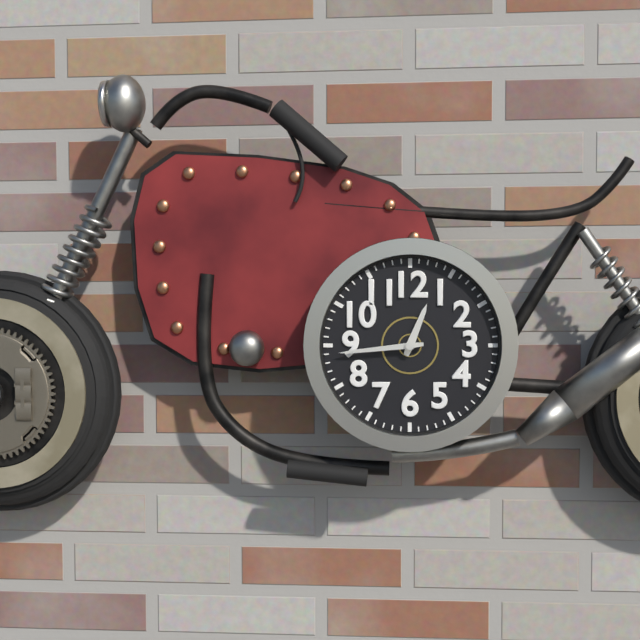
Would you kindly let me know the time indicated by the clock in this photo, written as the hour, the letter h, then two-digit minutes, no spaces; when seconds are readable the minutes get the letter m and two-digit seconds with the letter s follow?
12h44
